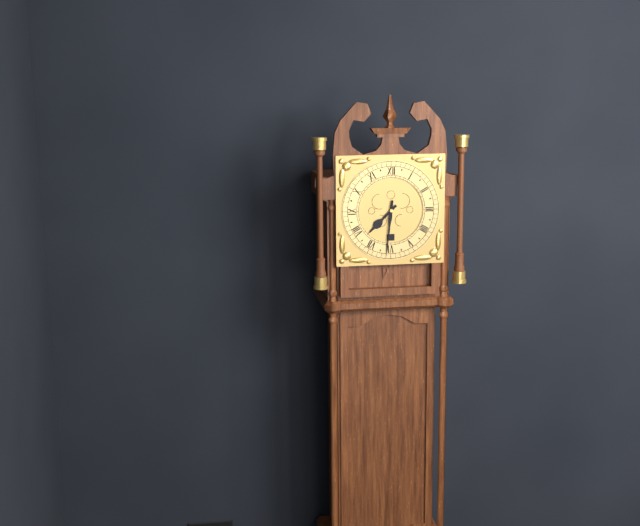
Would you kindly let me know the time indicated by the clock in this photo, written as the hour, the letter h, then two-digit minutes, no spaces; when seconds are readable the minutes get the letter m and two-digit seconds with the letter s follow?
7h31
